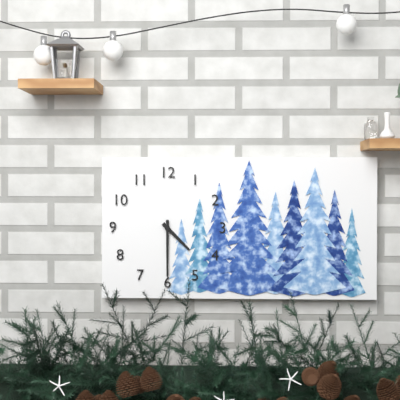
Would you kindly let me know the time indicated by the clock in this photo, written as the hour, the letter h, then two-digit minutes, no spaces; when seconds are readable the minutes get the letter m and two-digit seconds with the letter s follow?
4h30
